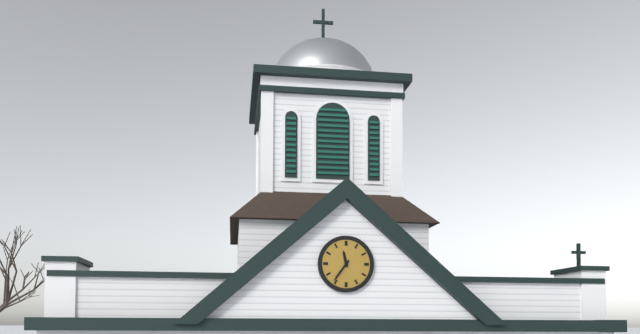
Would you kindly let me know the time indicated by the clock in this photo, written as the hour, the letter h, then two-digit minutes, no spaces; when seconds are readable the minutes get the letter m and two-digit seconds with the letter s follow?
11h36
